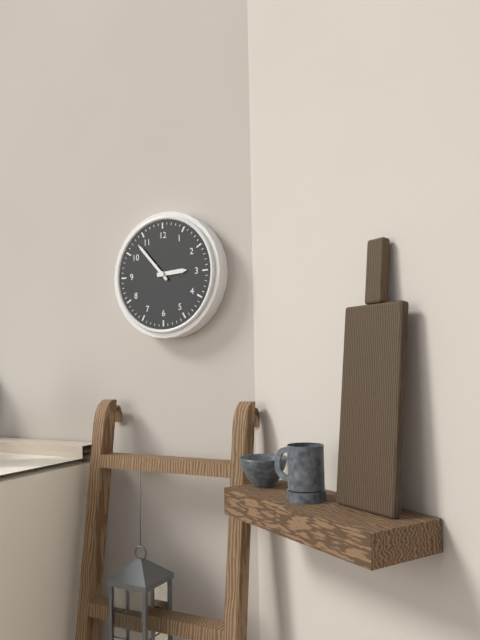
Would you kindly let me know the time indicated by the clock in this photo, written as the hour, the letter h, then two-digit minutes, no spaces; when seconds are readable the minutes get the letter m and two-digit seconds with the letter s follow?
2h53
